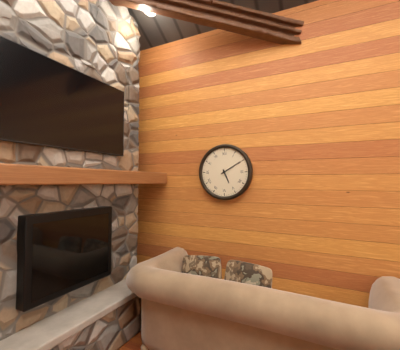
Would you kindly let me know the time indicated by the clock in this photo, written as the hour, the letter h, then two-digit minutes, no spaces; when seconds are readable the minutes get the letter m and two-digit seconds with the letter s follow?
5h10
